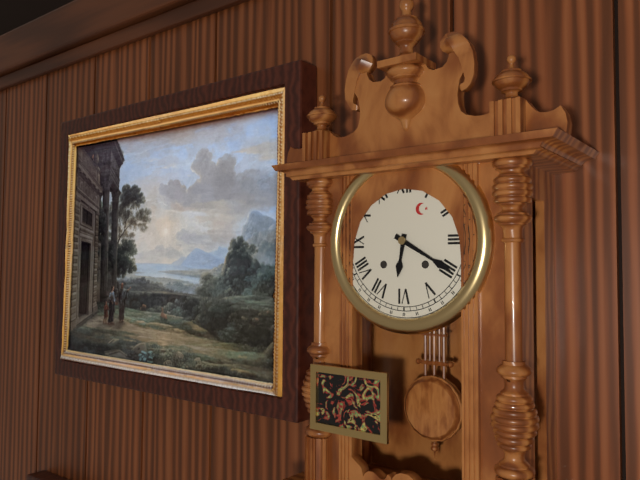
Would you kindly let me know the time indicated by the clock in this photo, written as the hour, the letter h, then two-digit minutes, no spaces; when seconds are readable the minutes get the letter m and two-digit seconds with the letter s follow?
6h20
